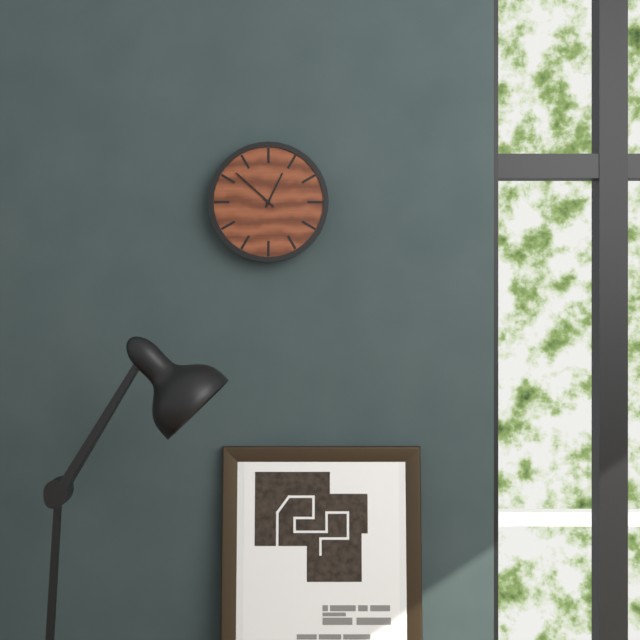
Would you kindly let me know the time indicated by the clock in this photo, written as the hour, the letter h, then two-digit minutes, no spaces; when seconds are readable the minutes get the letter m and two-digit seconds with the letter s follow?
12h52
